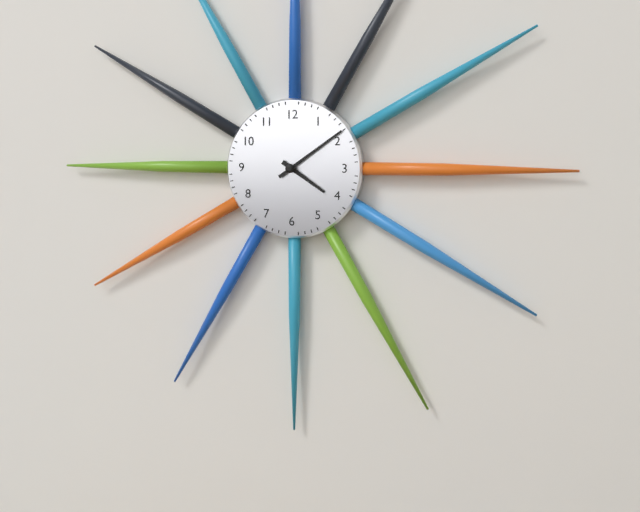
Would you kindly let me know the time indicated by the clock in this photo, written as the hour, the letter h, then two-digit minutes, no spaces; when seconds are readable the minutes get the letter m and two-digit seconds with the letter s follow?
4h09
